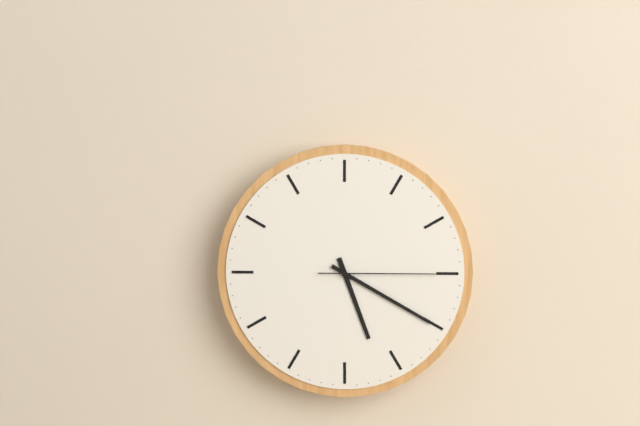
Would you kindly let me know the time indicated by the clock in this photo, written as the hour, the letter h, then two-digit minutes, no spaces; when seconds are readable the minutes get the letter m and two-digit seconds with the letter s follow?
5h20m15s
